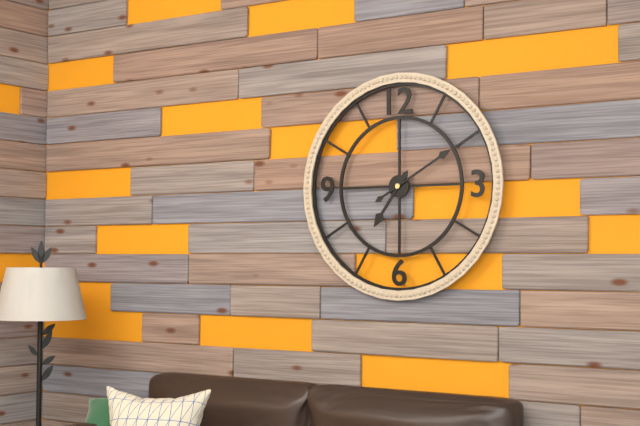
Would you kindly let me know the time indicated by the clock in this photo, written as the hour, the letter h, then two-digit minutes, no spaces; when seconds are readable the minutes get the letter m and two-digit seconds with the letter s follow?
7h10
